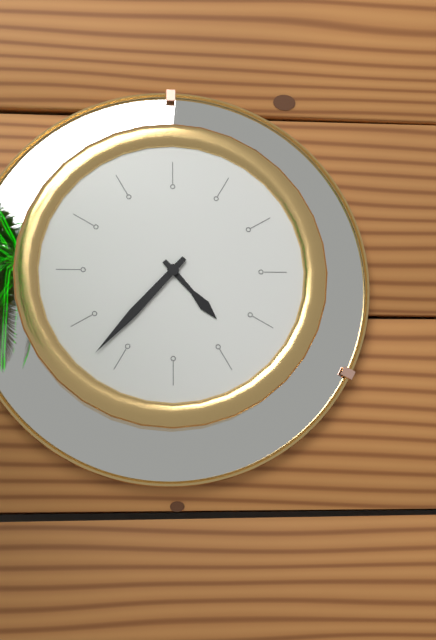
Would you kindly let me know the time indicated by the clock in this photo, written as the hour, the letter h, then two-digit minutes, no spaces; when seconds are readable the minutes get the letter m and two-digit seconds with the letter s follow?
4h37
